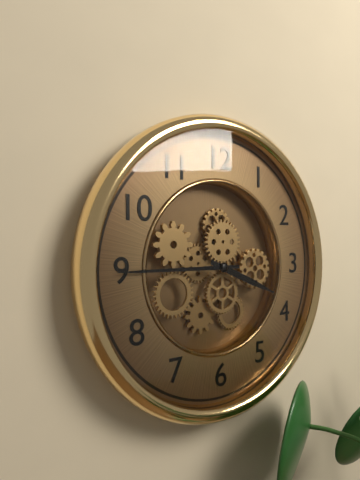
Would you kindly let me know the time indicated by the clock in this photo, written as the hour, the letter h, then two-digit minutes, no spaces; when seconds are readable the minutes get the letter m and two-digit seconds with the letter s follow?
3h45
